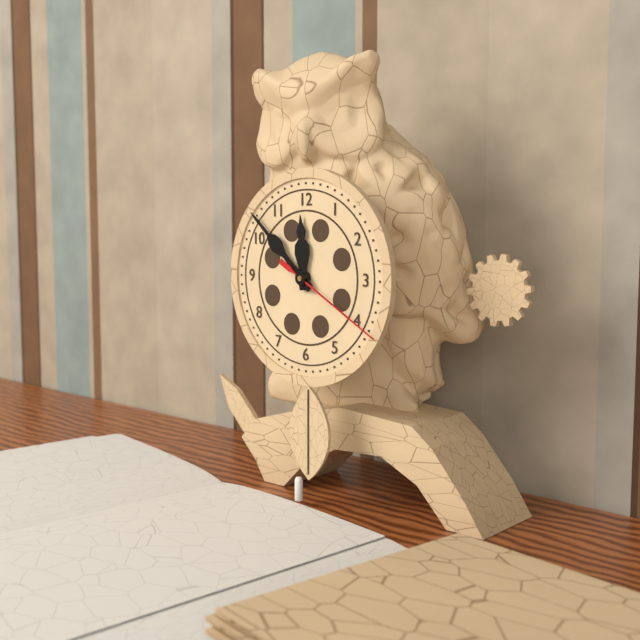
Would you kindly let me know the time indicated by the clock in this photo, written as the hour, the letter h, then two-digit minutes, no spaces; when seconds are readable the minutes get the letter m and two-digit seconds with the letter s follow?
11h52m20s
